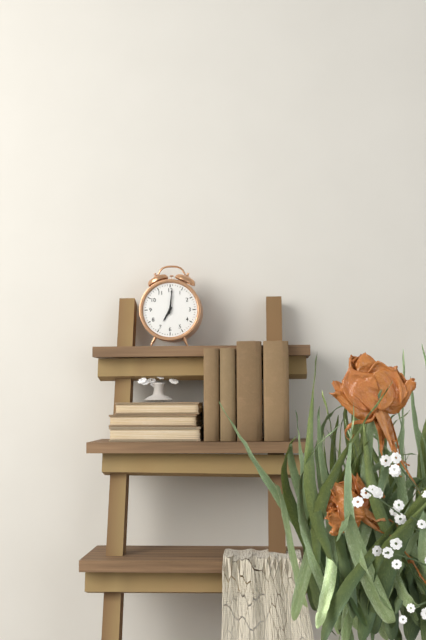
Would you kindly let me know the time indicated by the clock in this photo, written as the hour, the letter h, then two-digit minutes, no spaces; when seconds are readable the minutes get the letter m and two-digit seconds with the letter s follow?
7h01
